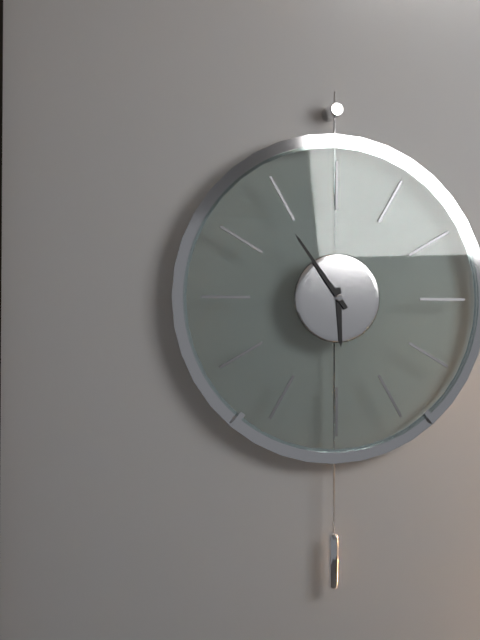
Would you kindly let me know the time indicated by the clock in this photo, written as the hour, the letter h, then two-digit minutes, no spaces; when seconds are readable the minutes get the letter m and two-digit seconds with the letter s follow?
5h54
